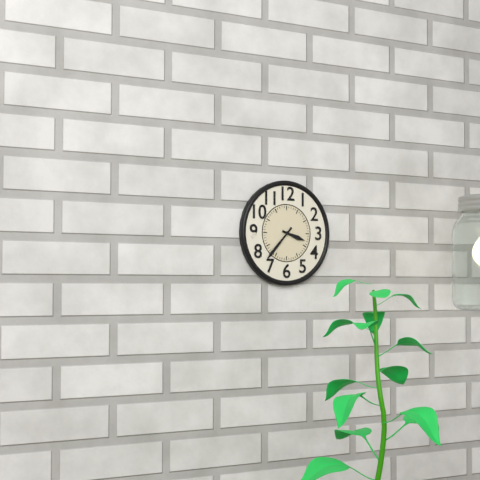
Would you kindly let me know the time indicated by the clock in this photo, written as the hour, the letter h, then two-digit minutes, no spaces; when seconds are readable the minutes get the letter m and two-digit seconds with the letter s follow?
3h37
